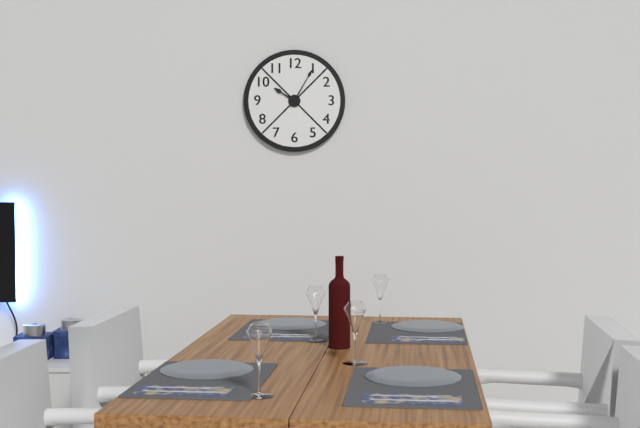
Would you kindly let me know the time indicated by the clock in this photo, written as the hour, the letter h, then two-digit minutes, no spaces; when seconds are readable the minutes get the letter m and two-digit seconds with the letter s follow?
10h05
